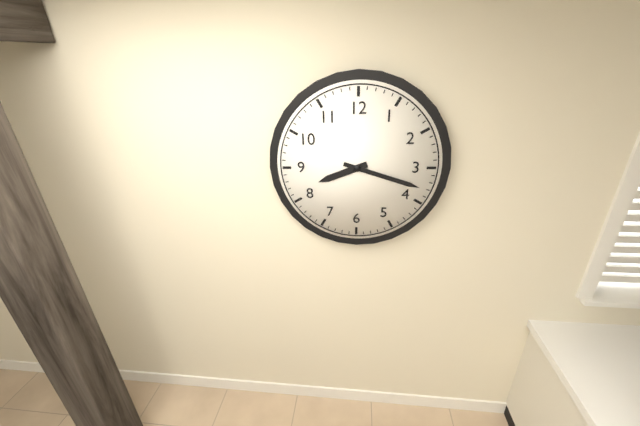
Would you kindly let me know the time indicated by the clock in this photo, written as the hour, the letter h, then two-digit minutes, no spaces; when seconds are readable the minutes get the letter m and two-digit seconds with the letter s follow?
8h18
